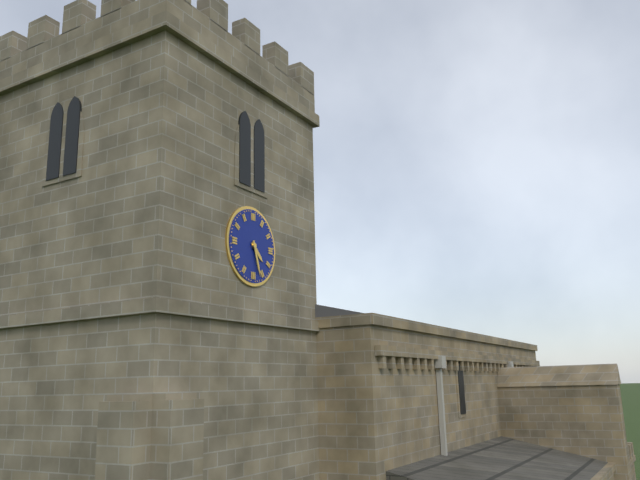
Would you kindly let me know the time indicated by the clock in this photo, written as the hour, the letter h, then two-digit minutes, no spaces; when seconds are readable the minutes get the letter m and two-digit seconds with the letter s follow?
4h27
